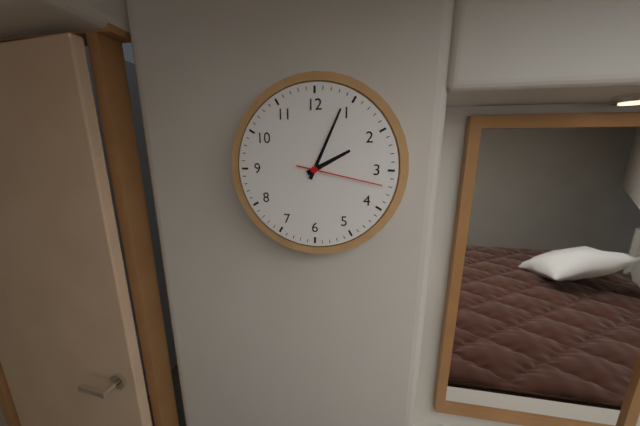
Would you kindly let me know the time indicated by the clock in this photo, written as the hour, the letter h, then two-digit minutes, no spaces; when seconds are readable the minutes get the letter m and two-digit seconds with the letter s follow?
2h04m17s
